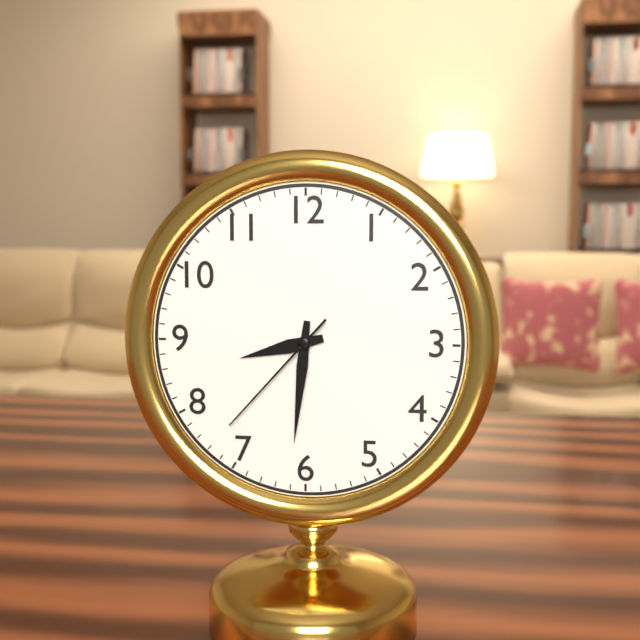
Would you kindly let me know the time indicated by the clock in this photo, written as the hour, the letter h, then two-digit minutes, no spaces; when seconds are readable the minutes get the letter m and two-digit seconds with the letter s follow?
8h31m37s
